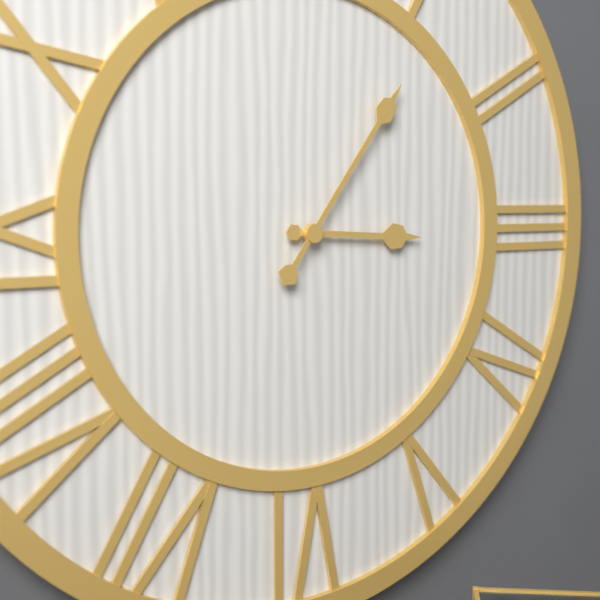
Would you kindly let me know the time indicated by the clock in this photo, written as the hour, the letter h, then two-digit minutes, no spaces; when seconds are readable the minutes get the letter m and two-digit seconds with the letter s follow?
3h06
